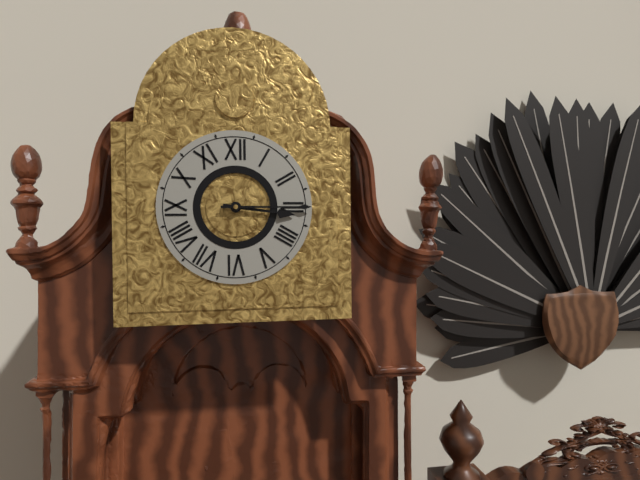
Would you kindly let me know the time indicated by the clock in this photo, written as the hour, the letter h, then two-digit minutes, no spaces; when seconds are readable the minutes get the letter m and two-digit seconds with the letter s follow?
3h15
